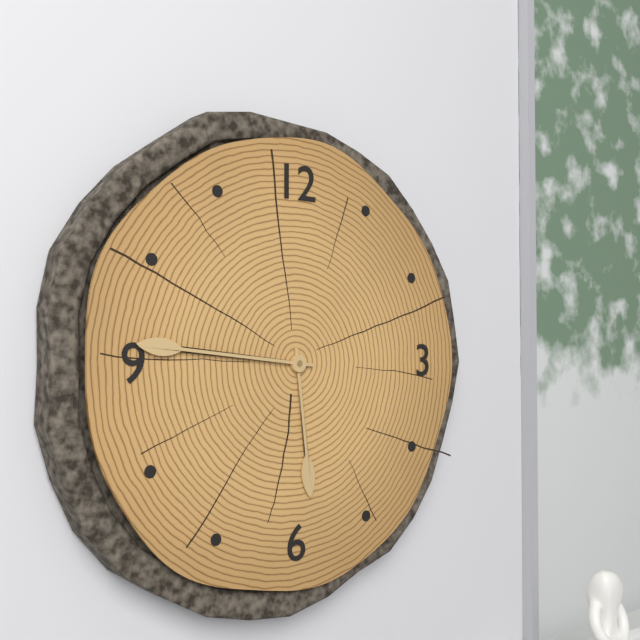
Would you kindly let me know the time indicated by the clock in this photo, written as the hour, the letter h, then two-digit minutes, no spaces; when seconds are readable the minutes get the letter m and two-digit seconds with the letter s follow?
5h46
